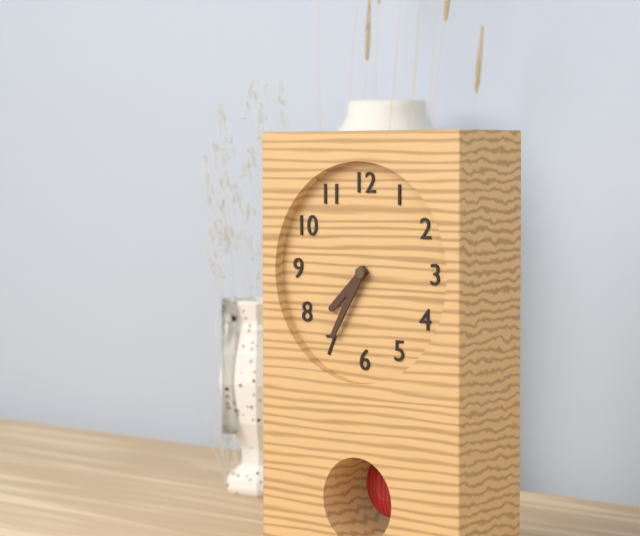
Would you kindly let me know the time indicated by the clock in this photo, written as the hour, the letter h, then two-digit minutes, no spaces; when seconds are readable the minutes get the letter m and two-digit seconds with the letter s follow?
7h35
